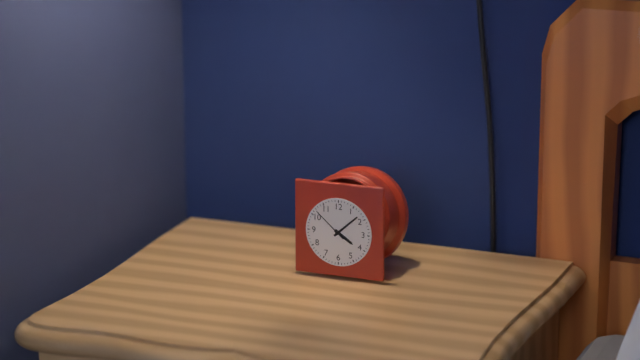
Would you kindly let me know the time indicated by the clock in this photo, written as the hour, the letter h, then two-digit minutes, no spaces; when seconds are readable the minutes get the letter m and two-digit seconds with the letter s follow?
4h08
